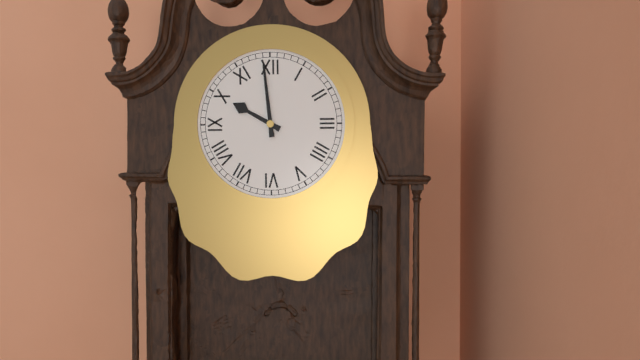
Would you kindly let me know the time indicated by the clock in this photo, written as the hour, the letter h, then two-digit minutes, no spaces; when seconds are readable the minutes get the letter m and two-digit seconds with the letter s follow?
9h59
